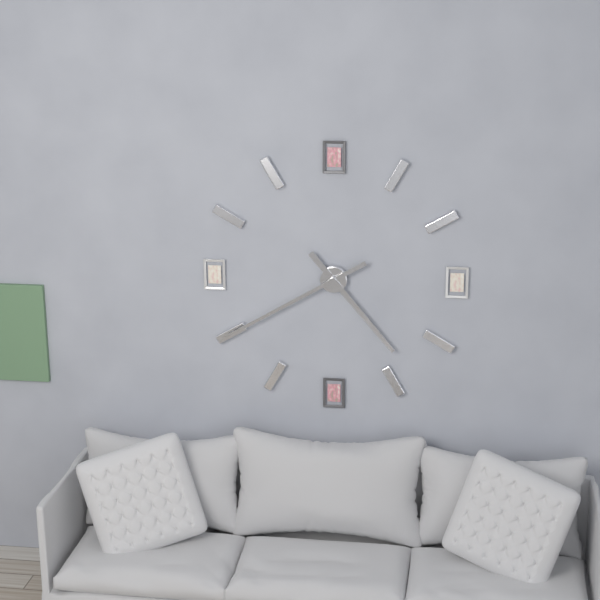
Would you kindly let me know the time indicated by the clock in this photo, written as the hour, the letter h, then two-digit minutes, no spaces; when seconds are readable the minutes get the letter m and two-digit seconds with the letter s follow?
4h40
